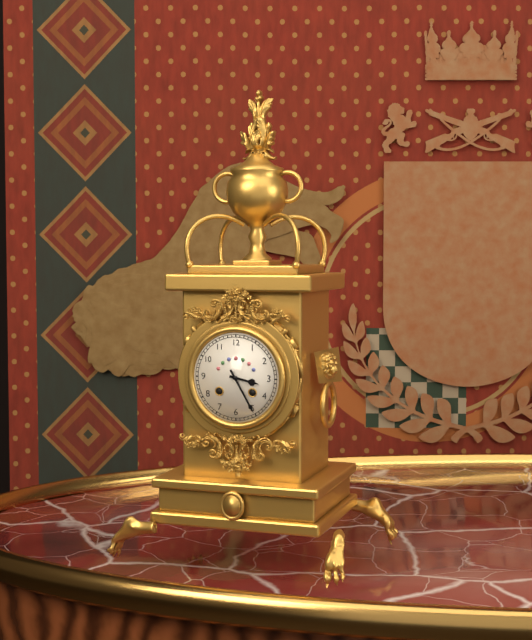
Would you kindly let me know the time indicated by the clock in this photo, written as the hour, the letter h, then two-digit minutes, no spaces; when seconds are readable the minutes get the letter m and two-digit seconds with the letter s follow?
3h25
